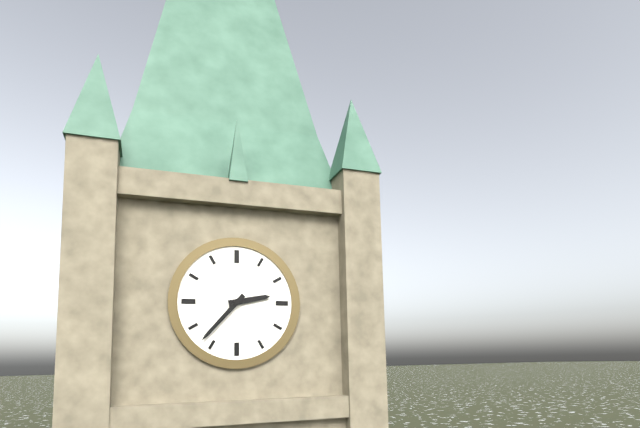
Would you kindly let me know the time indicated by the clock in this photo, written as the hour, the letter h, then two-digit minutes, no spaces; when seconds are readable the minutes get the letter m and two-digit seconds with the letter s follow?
2h37
